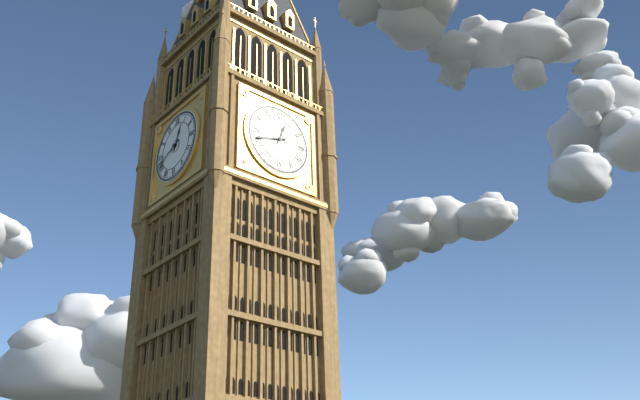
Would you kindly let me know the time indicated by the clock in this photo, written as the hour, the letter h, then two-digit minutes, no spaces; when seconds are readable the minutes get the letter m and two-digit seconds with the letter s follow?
12h42
